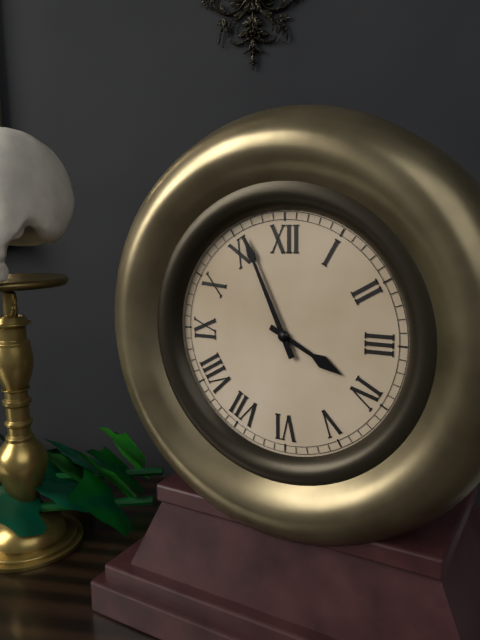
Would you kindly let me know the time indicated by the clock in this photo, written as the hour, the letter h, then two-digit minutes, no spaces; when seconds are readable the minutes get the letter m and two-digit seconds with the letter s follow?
3h56
